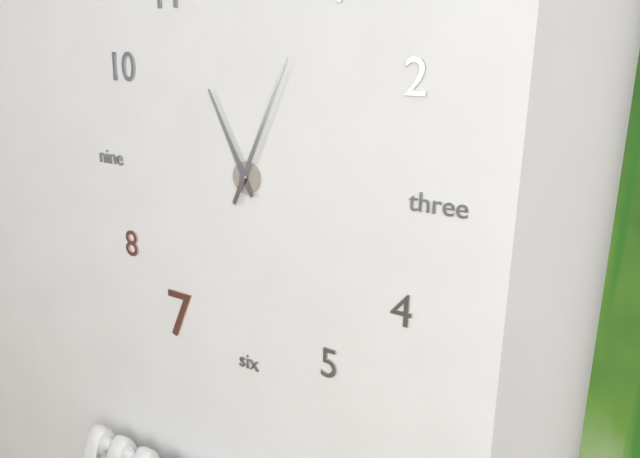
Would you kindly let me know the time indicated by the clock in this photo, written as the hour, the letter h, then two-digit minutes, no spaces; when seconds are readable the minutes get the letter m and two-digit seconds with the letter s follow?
11h04
